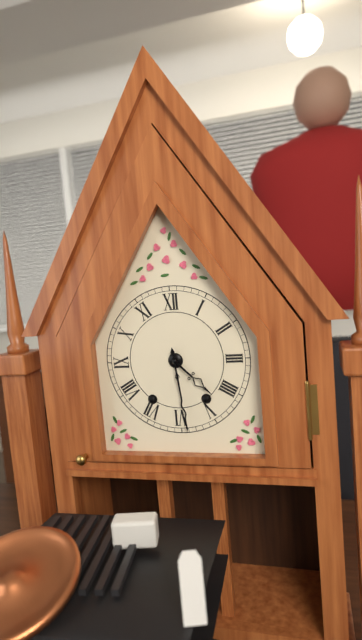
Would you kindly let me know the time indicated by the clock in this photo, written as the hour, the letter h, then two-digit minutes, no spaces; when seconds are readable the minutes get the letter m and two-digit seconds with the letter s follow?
4h29
